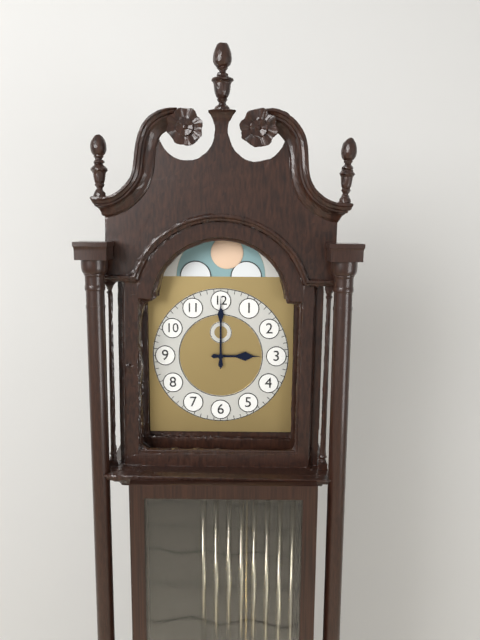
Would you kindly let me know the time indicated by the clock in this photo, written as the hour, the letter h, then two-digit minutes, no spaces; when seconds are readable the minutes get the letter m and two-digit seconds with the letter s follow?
3h00
